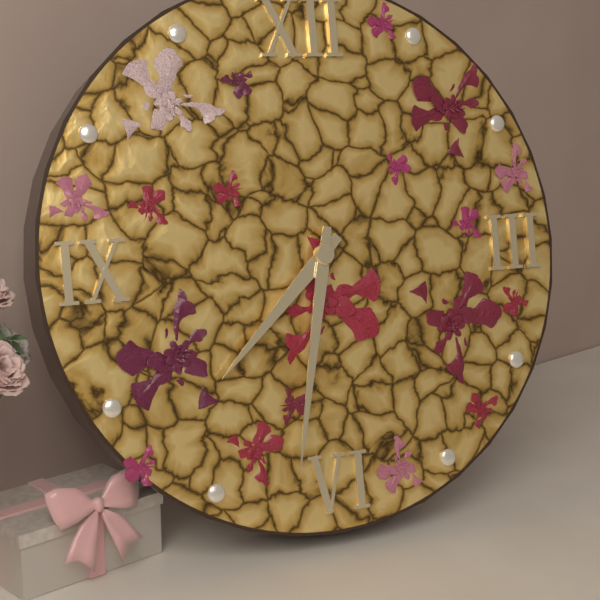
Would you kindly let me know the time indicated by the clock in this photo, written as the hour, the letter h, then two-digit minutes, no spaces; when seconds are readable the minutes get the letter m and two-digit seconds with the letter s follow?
7h32
